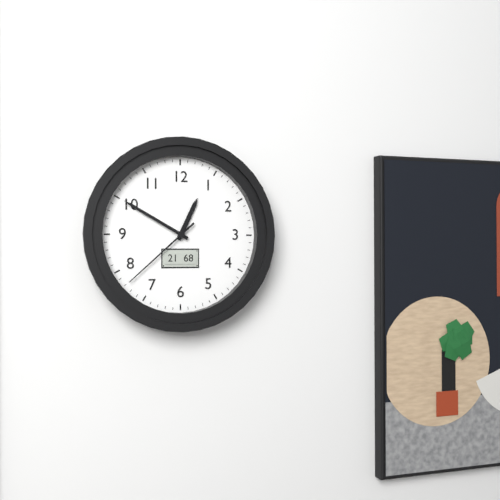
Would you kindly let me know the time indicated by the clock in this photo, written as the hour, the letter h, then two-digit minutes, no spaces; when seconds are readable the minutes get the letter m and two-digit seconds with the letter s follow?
12h50m38s
